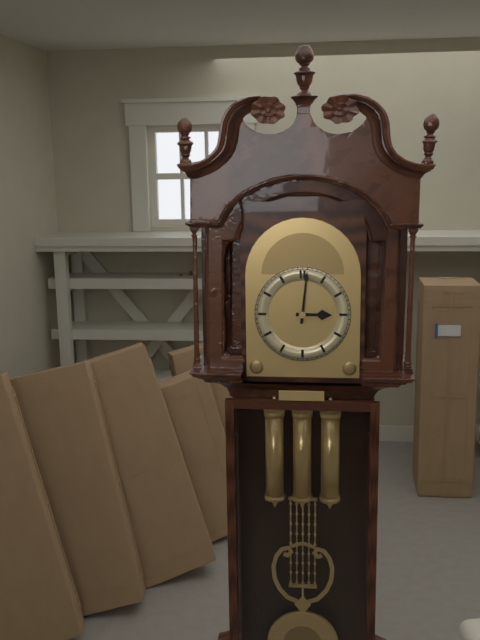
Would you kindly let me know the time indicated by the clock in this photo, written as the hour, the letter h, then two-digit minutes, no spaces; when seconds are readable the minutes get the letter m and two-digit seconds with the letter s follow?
3h01
